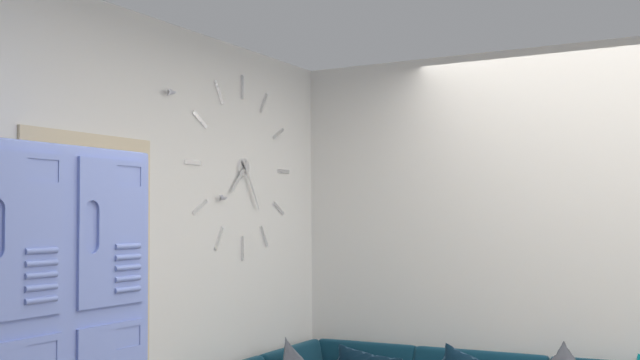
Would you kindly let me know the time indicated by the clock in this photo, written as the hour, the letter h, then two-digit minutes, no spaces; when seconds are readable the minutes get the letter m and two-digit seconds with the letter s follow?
7h25
